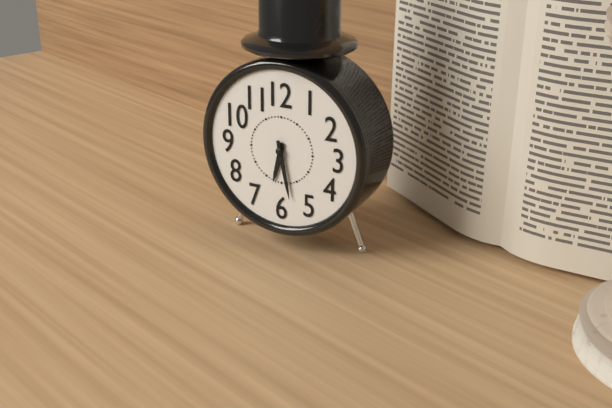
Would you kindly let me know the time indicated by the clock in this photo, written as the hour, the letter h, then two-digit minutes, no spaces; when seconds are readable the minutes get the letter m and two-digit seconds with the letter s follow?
6h28
